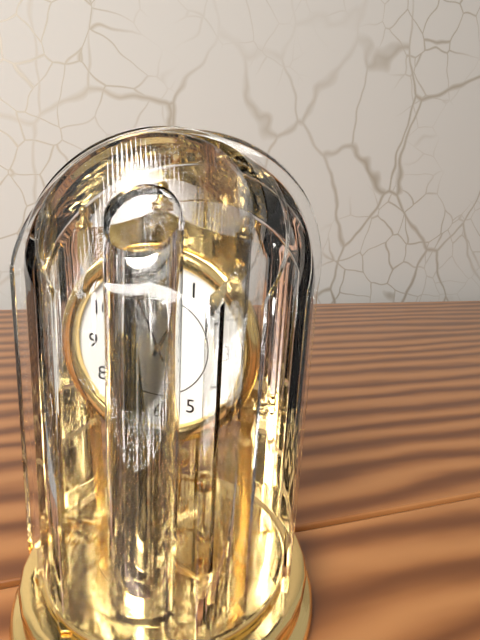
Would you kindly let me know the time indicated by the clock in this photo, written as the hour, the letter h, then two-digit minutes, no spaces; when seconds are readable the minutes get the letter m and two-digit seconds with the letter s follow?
12h56
